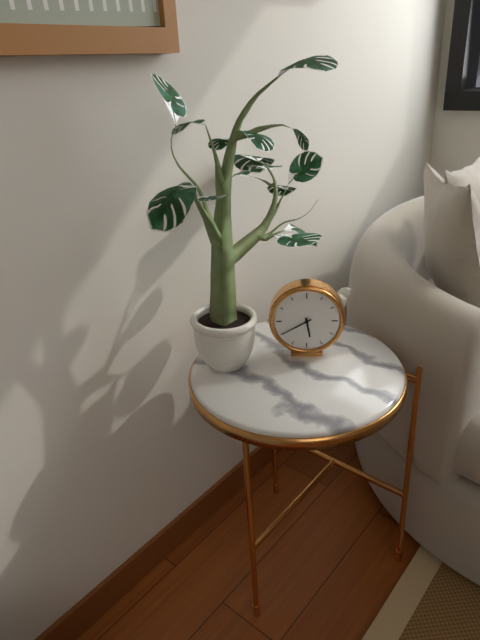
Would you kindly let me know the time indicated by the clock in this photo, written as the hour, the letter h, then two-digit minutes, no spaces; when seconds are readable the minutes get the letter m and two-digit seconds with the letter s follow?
5h40
